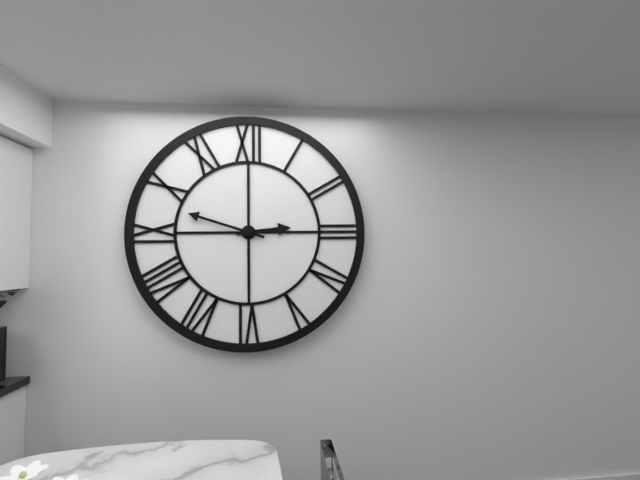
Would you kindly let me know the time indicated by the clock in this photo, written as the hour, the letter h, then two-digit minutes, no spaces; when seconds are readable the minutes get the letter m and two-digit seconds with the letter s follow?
2h48
